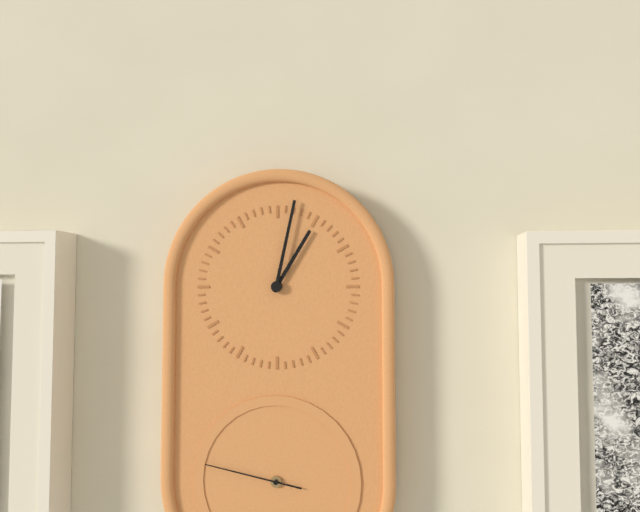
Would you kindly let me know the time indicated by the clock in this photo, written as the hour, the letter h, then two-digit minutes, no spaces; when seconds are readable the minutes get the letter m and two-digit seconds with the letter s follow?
1h02m47s
